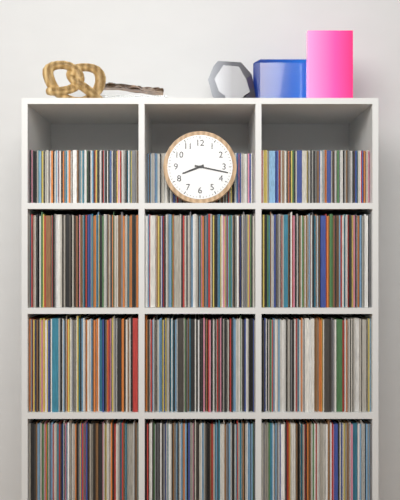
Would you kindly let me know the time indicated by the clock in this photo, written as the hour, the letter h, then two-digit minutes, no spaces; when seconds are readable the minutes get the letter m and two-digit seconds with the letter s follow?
8h17
